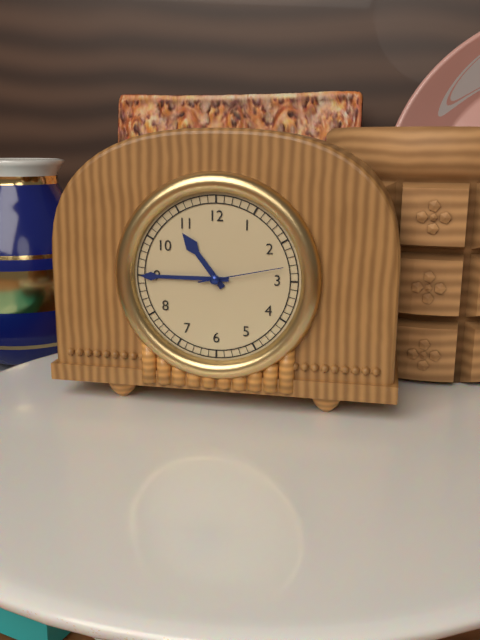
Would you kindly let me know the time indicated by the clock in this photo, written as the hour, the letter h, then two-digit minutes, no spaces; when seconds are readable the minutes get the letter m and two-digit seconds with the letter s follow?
10h45m13s
